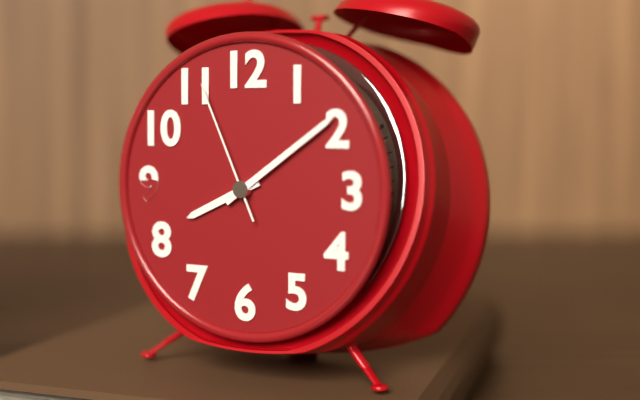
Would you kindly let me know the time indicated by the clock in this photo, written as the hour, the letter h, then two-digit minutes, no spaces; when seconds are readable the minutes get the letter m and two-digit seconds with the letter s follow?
8h09m56s
